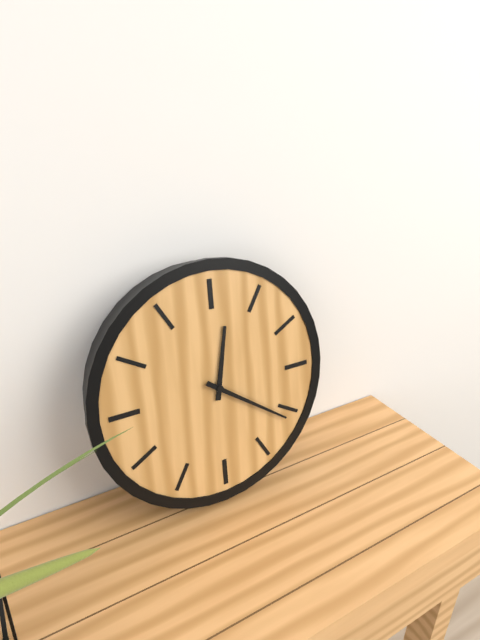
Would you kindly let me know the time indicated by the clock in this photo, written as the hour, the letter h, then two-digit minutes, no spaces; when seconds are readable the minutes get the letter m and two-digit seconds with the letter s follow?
12h21
